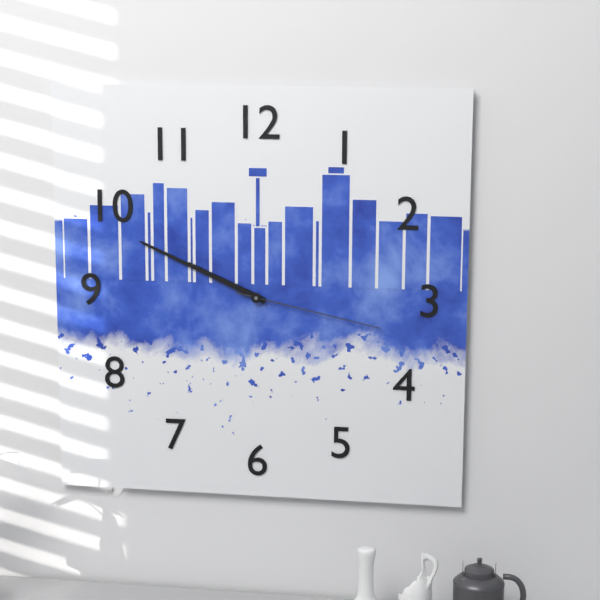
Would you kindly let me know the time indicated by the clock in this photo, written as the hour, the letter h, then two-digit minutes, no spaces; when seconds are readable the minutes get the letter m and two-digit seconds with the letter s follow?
9h49m17s
